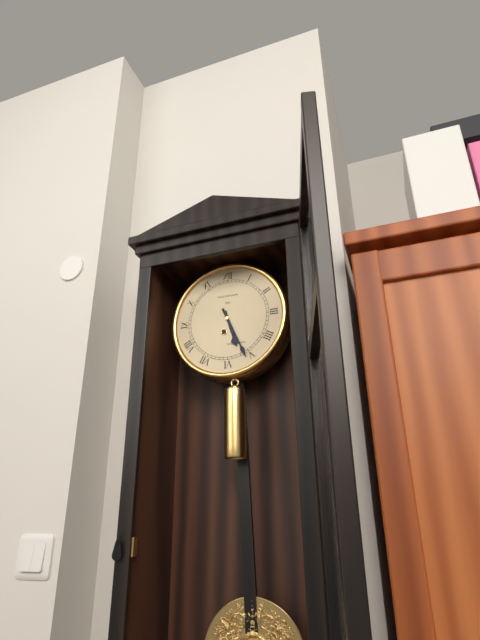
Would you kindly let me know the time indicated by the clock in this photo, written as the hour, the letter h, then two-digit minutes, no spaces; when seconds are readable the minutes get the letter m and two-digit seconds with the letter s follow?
5h26
